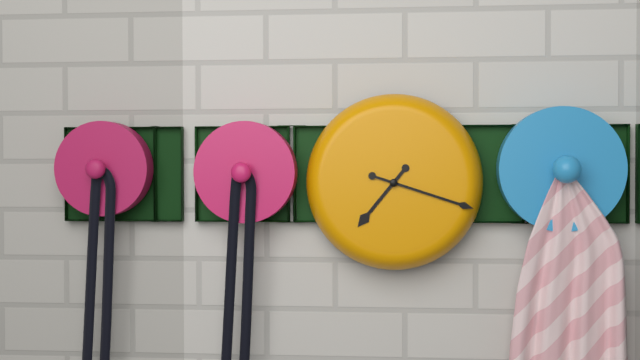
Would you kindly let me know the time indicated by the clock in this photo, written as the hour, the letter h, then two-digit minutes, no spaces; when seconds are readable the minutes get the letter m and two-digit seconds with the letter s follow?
7h18
